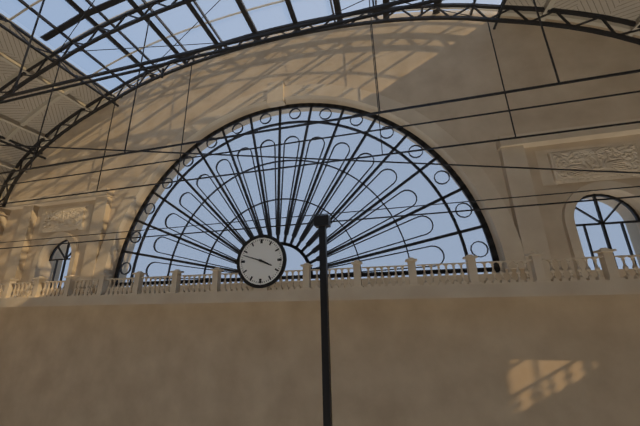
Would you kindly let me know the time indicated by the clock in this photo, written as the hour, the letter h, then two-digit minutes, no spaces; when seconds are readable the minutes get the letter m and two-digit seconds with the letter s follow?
3h48
